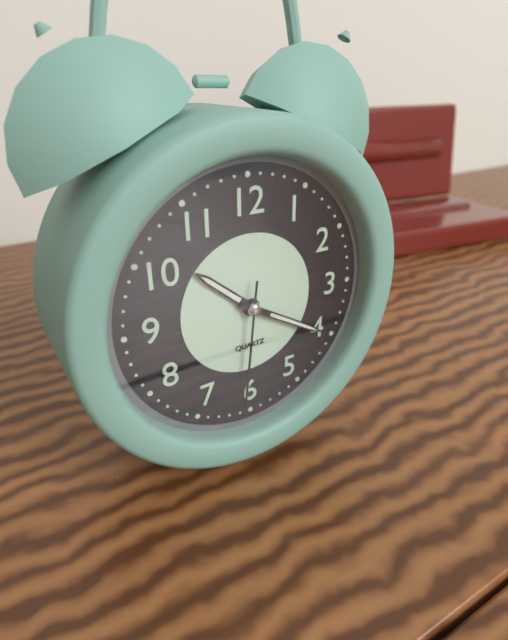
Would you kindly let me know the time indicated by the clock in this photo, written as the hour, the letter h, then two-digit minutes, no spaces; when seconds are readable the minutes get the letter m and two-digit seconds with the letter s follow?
10h20m31s
